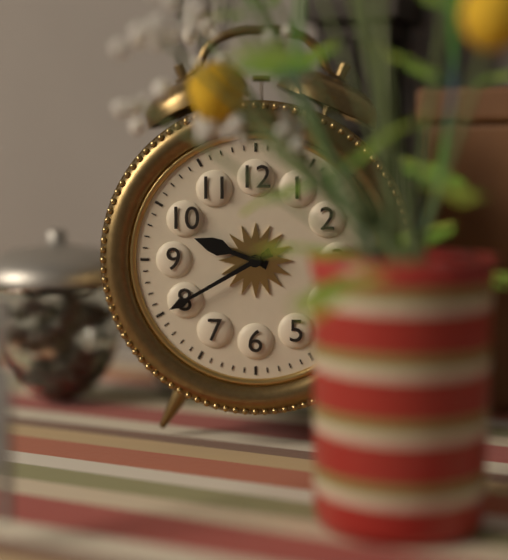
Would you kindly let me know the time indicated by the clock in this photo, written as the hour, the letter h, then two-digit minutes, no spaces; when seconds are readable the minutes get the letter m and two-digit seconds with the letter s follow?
9h40
